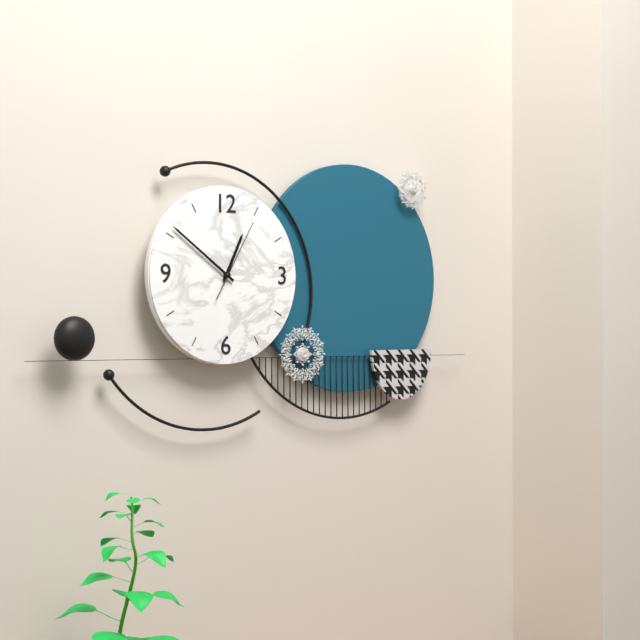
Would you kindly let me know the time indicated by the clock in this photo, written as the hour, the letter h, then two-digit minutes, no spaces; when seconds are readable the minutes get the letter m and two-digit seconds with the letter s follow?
12h51m05s
